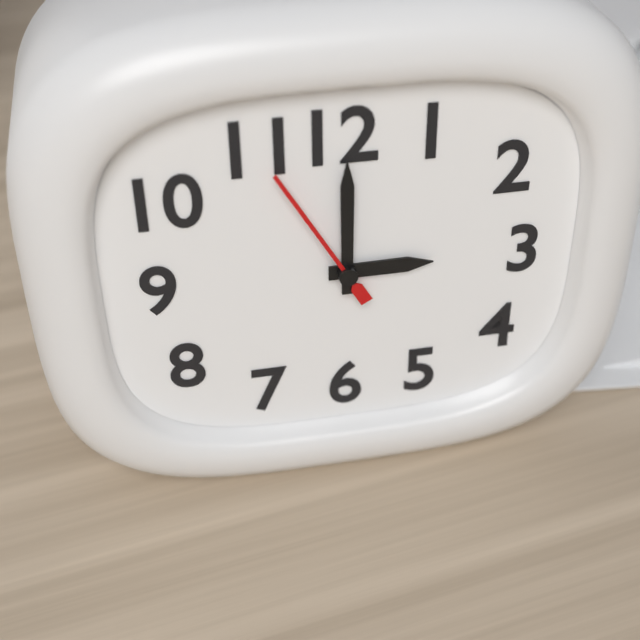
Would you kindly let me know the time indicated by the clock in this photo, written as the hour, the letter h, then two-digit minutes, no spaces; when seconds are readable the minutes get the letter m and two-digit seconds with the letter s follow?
3h00m55s
